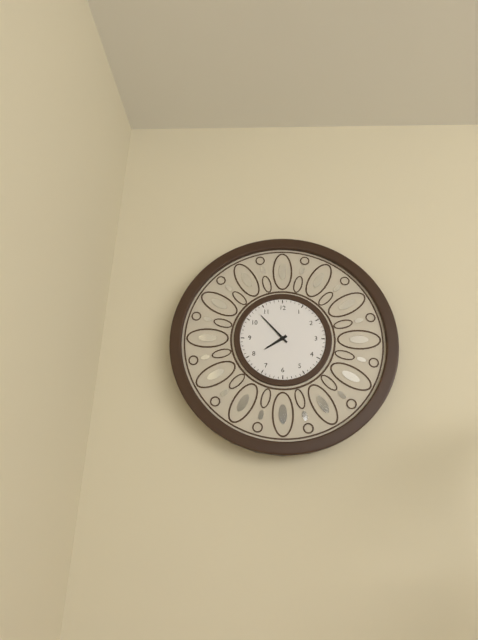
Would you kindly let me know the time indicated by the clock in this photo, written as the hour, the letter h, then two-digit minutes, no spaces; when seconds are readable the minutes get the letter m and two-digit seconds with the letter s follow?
7h53
